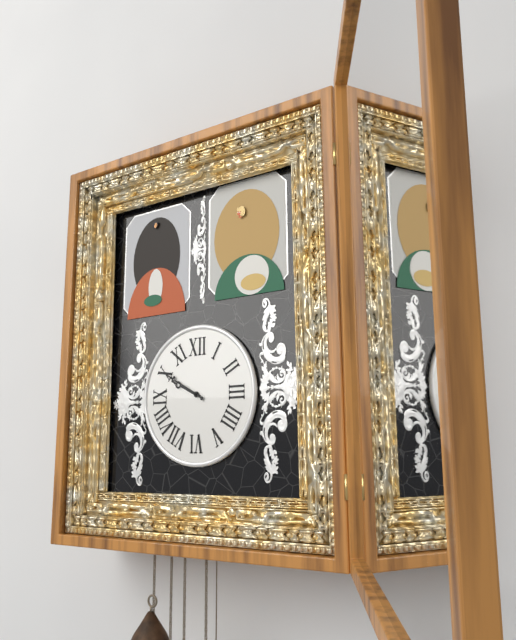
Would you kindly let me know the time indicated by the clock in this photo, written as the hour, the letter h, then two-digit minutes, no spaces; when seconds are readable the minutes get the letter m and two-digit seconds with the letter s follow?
9h50
